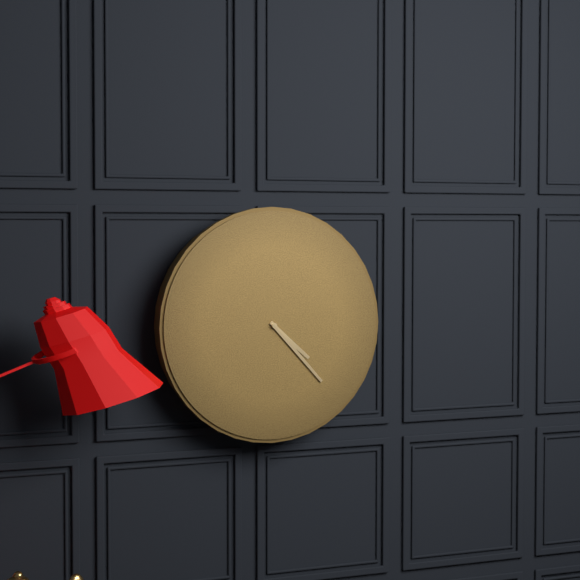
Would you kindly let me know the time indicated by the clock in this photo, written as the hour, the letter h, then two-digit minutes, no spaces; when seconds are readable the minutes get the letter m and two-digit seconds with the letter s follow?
4h23
